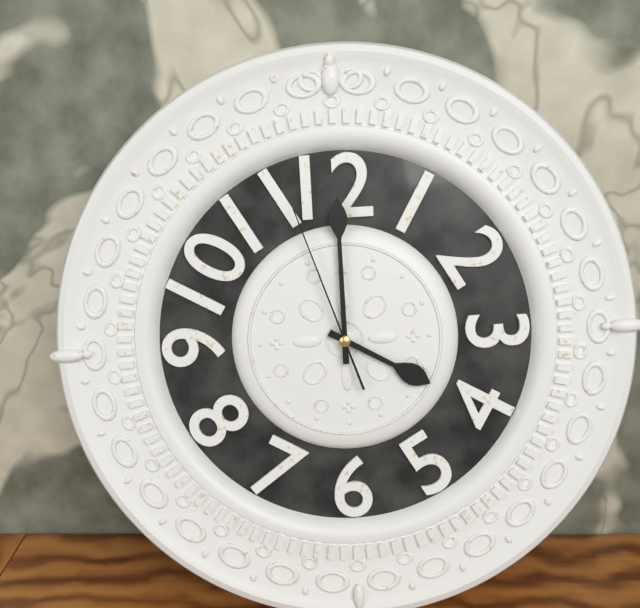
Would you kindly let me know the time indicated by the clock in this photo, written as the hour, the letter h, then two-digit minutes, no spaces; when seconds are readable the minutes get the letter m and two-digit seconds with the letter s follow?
4h00m57s
